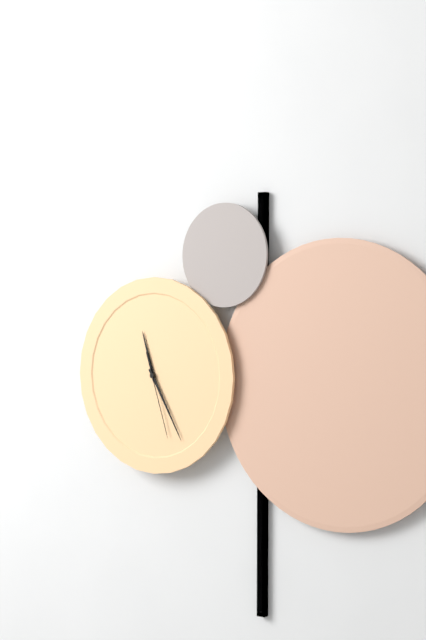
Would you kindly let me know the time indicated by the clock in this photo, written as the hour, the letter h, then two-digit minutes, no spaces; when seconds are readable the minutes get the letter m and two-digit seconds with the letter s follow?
11h25m27s
